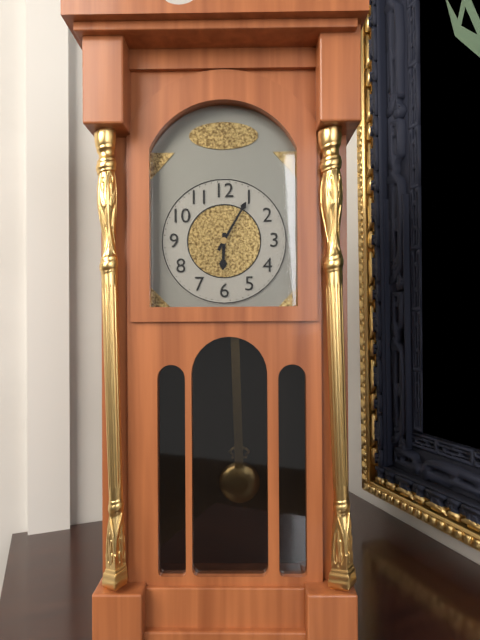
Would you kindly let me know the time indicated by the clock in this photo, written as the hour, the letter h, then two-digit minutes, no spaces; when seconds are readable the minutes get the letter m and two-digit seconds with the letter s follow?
6h05
